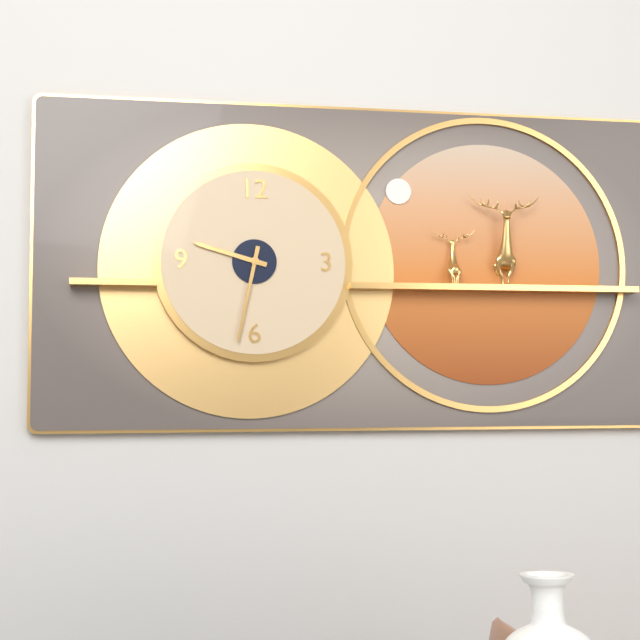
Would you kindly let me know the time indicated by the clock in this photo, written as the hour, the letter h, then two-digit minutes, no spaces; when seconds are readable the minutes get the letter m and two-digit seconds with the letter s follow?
9h32
